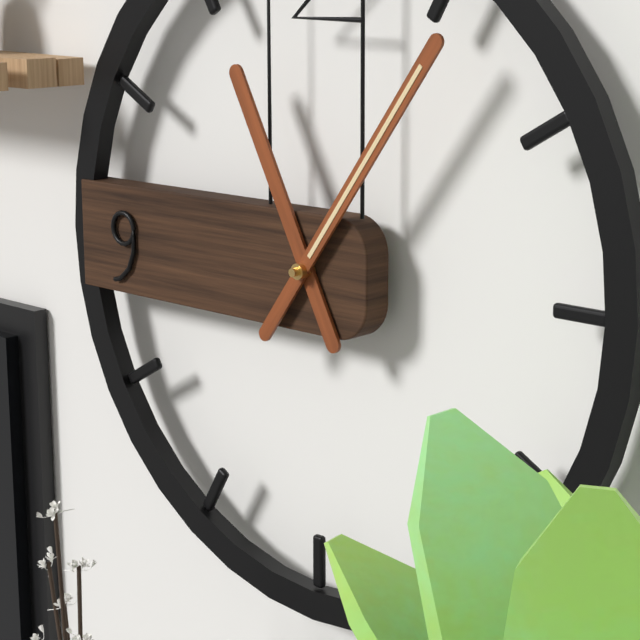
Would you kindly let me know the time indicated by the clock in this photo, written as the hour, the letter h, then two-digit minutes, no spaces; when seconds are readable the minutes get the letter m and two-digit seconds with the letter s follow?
11h06
